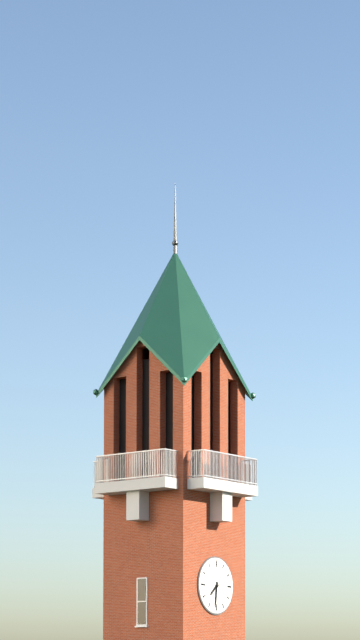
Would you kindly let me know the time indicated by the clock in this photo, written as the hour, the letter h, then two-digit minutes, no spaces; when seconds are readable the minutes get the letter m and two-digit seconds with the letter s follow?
7h31
